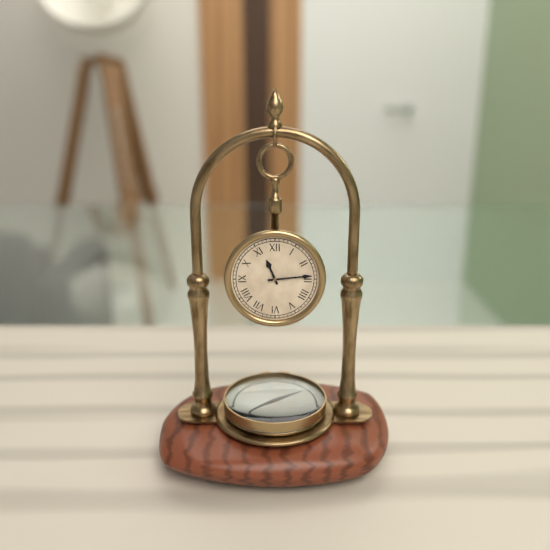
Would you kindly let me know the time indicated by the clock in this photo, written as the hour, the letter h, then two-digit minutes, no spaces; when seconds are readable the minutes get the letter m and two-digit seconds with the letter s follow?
11h14
